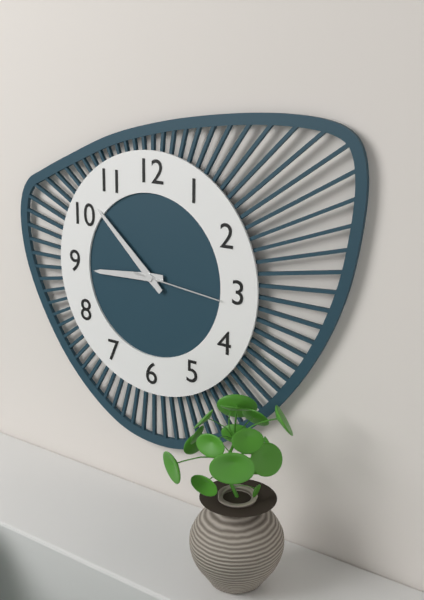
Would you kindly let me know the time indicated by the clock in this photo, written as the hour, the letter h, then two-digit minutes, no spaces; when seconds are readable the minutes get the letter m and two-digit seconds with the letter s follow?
8h52m16s
